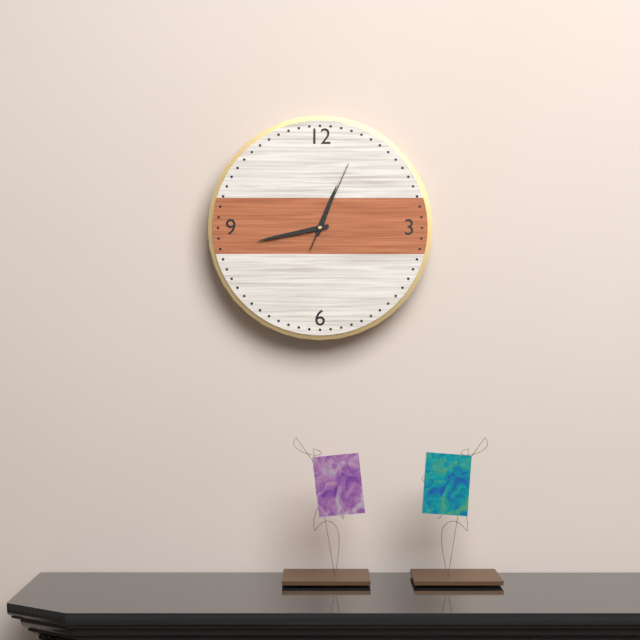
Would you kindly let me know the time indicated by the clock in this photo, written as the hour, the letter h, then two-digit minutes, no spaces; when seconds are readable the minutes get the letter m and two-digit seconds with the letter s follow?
12h43m04s
